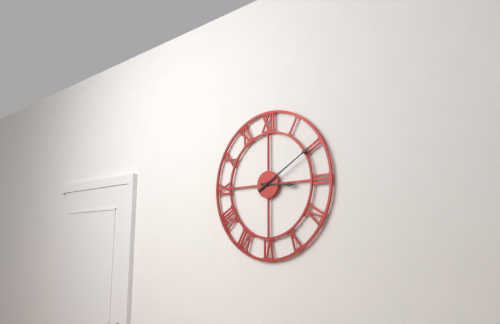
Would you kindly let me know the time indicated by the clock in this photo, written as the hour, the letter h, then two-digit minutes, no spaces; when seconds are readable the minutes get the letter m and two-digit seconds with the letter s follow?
3h10
